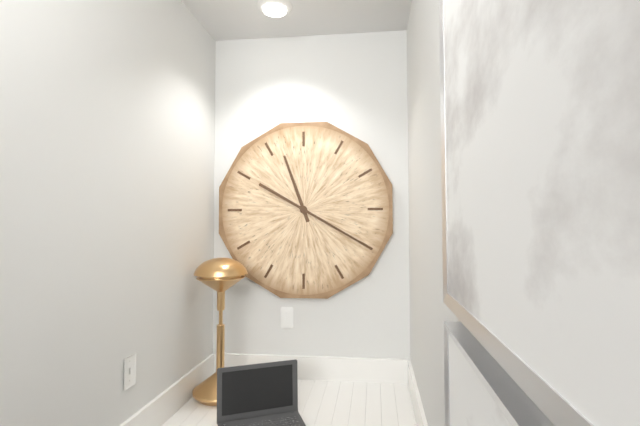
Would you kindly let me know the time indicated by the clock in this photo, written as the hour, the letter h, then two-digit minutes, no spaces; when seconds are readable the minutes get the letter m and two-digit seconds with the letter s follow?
11h20
